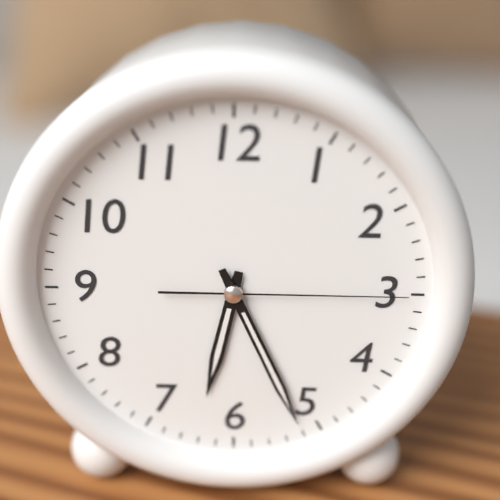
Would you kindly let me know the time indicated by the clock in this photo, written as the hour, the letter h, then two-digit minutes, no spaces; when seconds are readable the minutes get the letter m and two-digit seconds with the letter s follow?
6h26m15s
